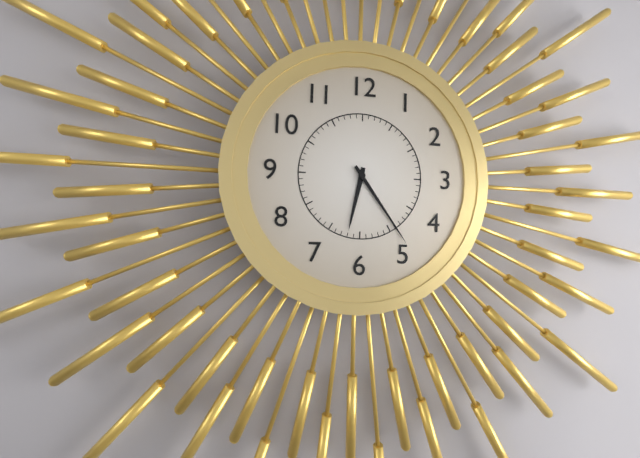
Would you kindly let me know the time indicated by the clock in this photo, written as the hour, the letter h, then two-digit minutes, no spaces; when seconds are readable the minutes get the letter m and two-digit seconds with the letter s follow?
6h24
